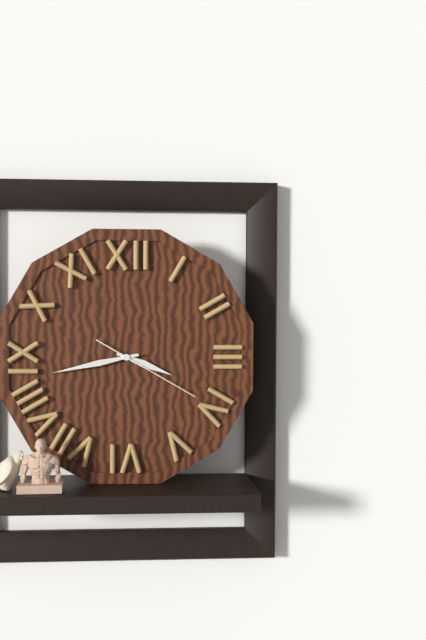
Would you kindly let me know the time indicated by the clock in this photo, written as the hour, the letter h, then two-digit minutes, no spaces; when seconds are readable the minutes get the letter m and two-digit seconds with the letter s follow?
3h43m20s
